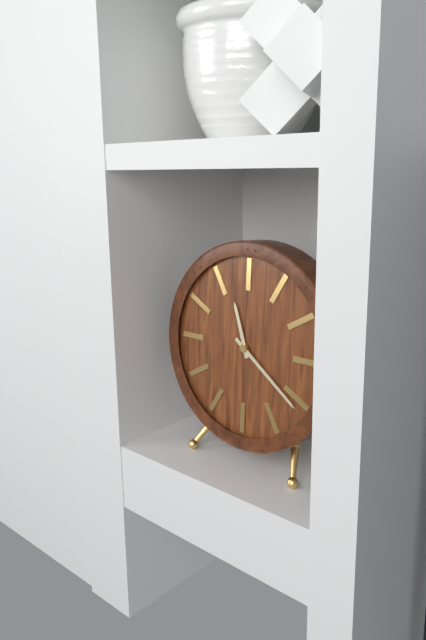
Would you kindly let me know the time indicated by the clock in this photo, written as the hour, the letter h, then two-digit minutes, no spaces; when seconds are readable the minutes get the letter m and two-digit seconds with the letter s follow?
11h21
